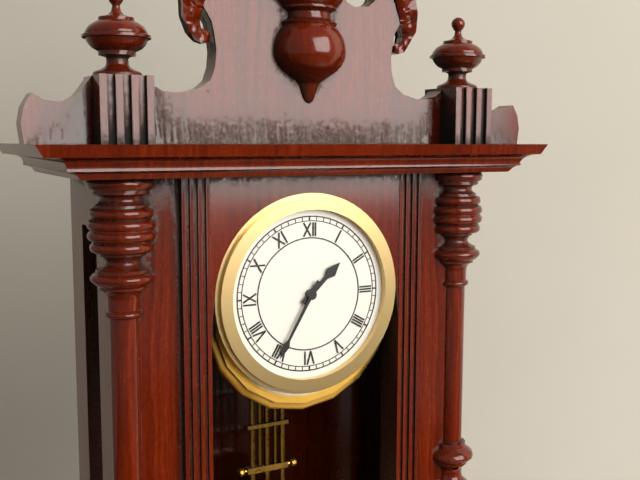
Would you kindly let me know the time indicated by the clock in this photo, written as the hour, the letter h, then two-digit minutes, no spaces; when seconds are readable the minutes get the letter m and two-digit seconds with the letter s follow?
1h35
